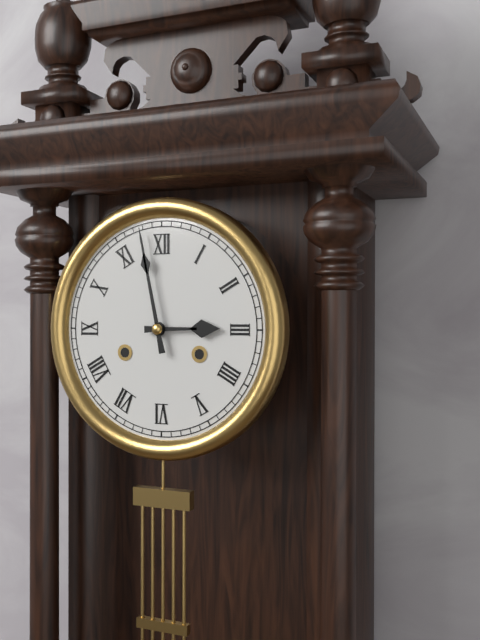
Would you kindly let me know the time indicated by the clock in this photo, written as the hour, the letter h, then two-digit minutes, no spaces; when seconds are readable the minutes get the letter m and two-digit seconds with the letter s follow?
2h58
